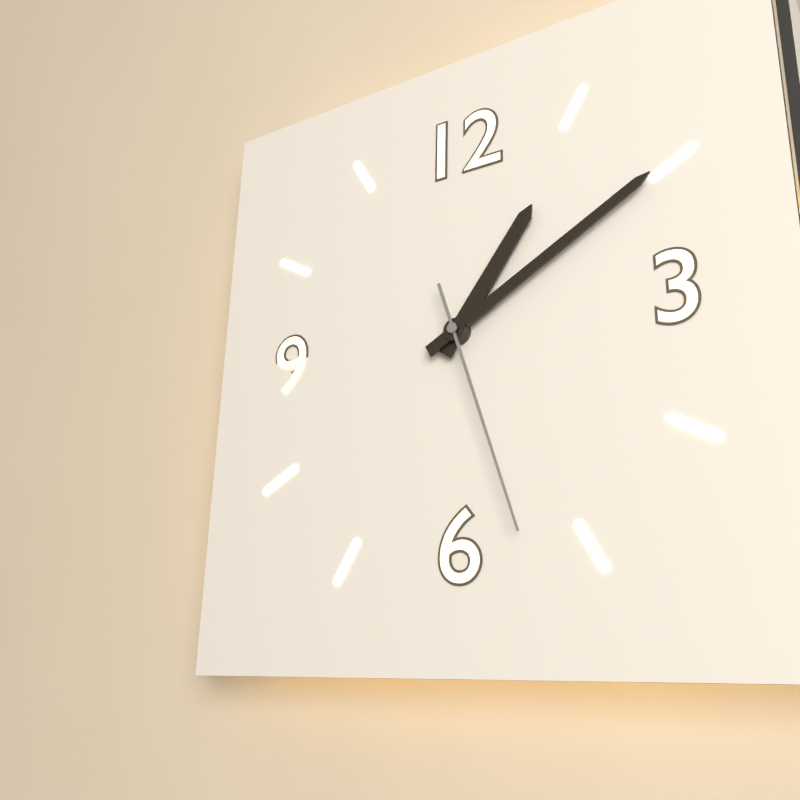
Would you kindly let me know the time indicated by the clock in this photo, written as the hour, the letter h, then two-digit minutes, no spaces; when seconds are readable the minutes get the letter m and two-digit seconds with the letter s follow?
1h10m27s
